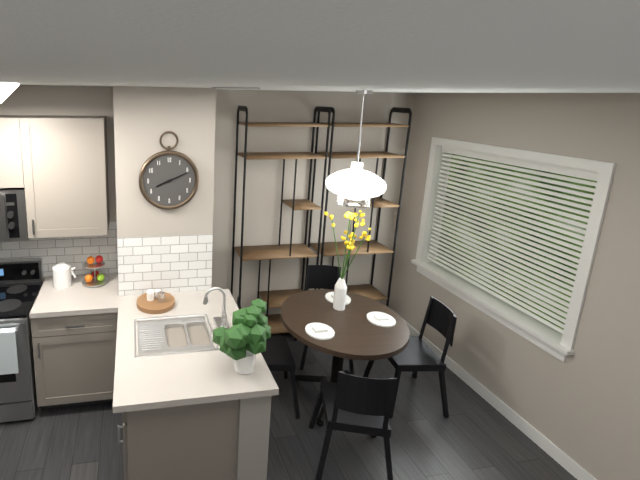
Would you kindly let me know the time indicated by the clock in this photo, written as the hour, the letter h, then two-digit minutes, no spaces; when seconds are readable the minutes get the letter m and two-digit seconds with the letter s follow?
8h11
